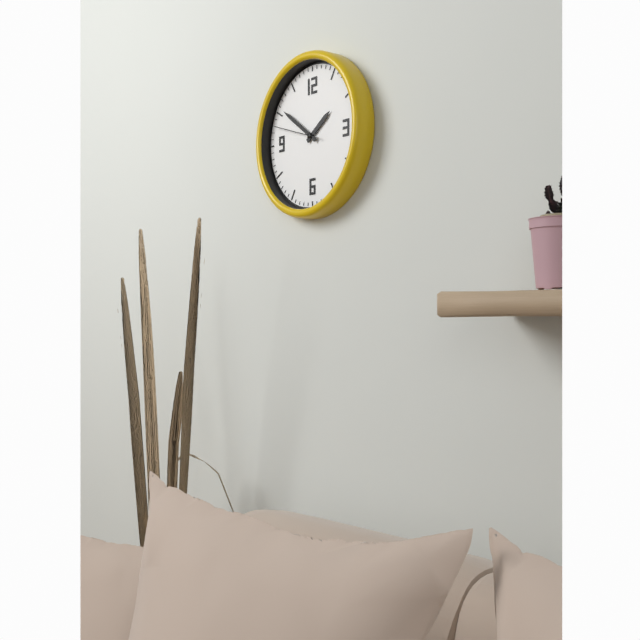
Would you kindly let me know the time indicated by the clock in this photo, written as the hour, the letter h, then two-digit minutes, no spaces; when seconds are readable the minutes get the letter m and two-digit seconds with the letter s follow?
1h51
